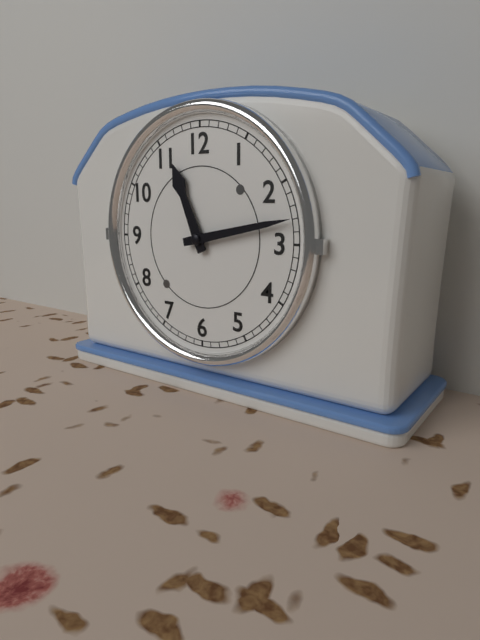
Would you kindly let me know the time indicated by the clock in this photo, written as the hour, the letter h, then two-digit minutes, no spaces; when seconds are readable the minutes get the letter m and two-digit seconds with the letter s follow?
11h13
